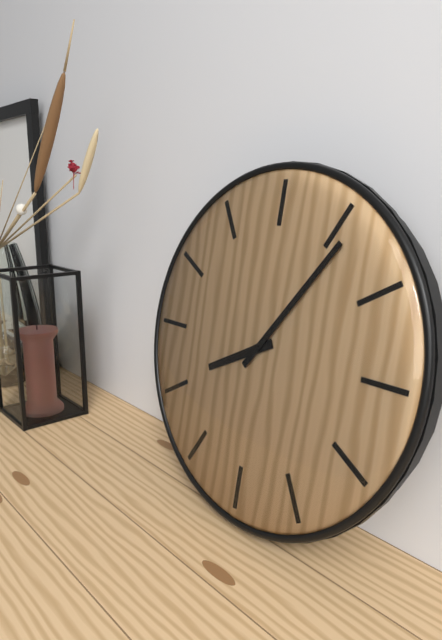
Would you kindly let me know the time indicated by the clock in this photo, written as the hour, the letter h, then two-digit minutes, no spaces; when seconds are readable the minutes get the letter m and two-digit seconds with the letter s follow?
8h06
